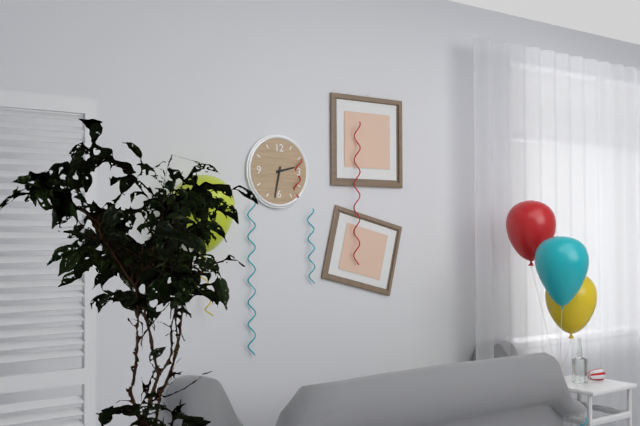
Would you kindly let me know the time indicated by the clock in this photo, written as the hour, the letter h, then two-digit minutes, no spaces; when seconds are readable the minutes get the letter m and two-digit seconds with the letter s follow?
2h32
